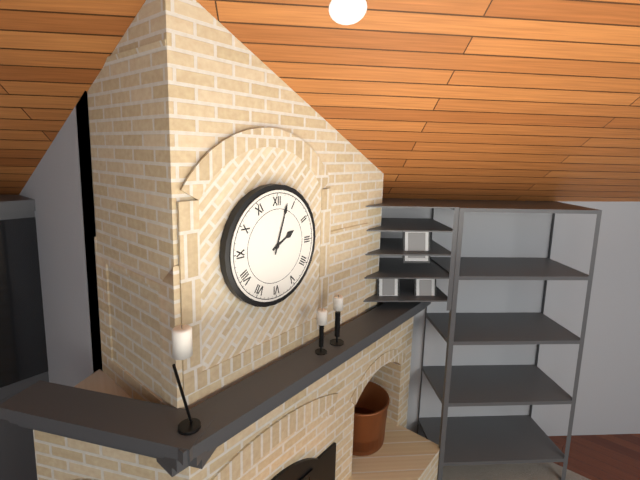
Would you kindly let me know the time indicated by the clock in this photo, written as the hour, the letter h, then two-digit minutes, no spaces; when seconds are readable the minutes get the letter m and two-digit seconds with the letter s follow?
2h03
